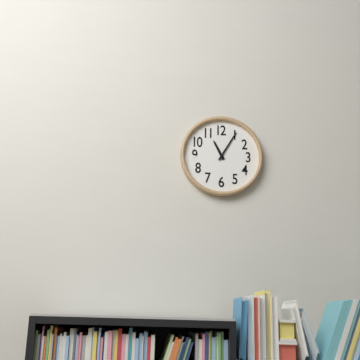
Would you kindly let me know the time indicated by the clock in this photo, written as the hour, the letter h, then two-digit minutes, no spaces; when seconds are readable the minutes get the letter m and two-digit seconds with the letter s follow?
11h05
